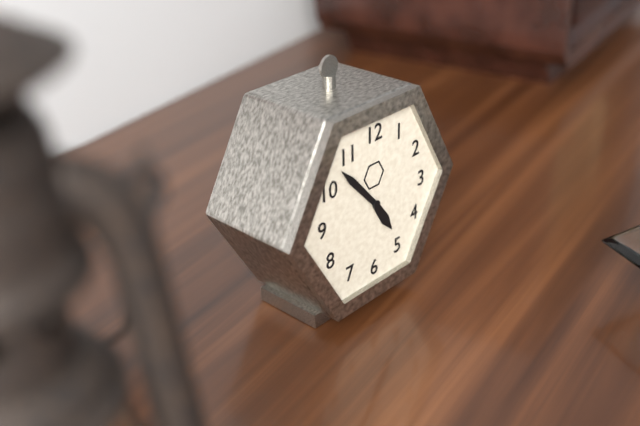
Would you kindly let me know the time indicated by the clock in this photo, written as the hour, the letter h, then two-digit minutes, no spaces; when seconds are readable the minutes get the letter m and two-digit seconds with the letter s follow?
4h53
